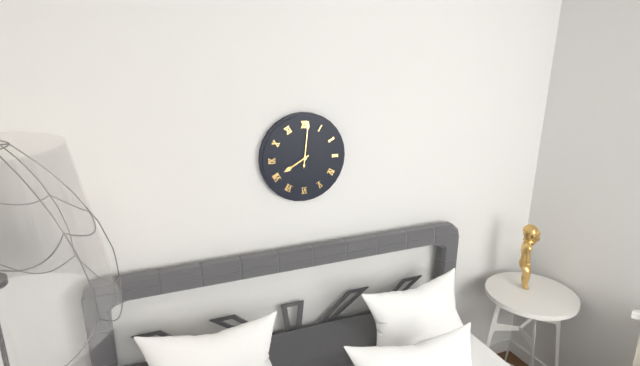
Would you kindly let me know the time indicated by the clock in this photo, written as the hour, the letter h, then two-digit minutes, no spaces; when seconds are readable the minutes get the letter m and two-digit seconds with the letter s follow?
8h01
